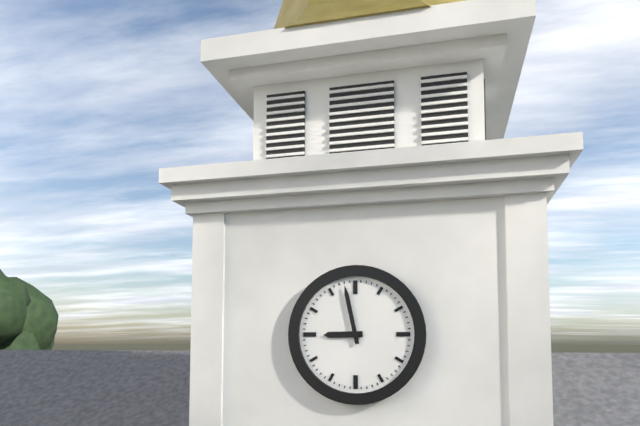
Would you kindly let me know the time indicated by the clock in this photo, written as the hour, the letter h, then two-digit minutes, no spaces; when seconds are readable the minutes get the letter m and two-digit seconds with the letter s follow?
8h58
